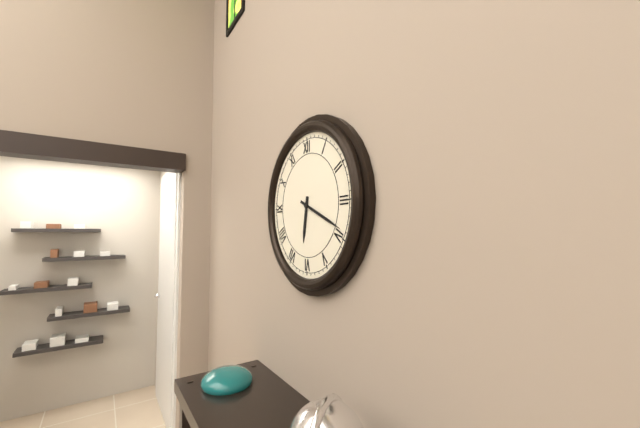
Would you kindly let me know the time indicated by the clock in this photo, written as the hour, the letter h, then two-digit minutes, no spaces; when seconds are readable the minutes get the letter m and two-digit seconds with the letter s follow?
6h19
